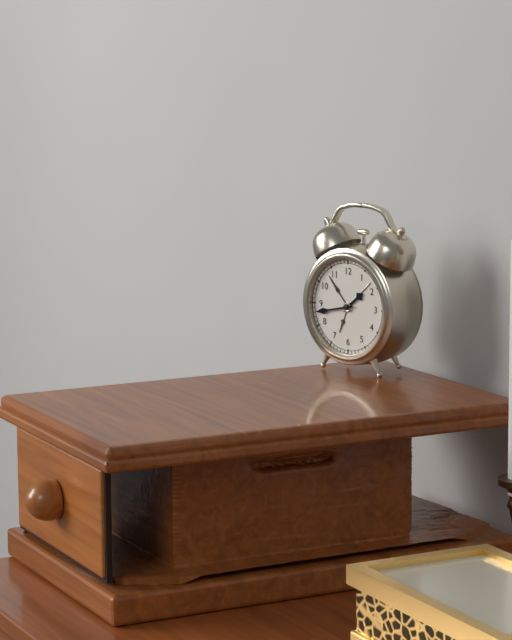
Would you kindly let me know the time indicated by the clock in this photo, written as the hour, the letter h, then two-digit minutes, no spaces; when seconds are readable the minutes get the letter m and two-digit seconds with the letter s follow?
1h43
